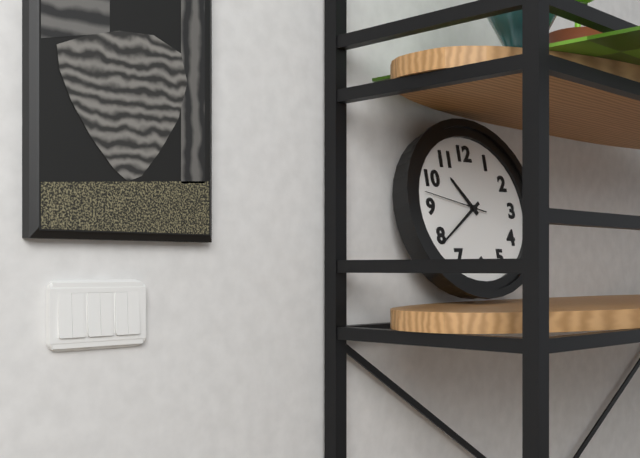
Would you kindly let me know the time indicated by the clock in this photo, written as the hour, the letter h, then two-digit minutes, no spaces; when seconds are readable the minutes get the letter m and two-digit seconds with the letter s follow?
10h39m47s
